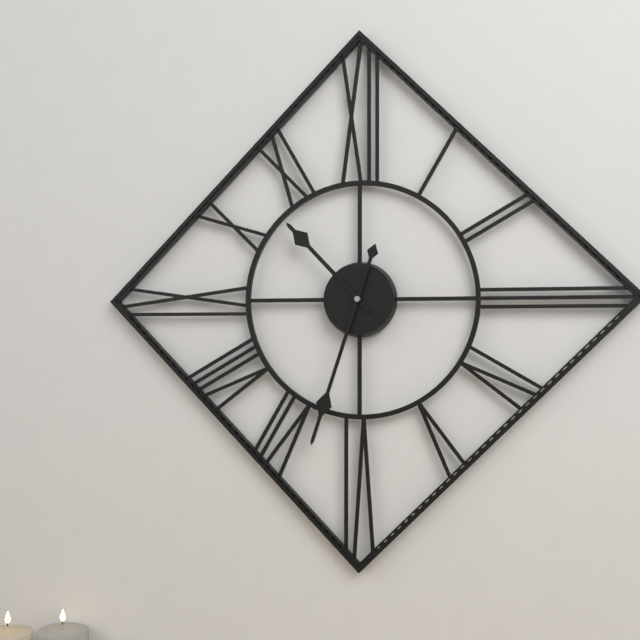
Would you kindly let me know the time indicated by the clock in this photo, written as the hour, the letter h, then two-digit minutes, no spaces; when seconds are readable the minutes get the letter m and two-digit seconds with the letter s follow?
10h33
